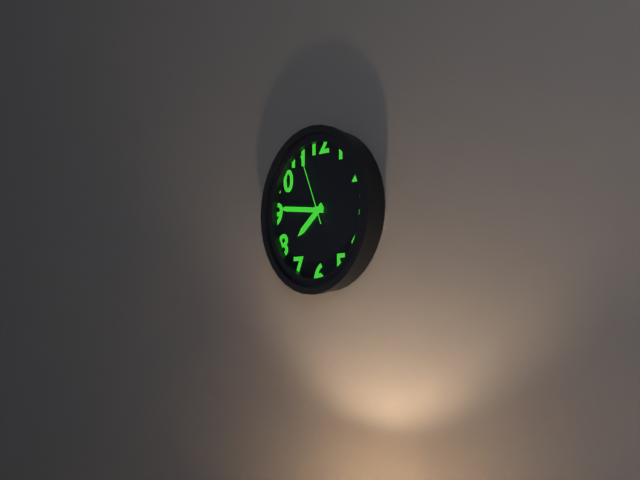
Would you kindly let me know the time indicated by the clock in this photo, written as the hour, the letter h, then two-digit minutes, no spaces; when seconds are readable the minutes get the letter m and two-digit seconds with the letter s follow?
7h46m56s
